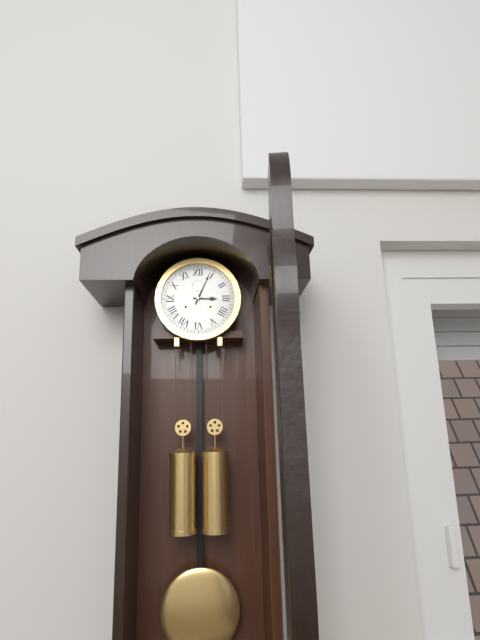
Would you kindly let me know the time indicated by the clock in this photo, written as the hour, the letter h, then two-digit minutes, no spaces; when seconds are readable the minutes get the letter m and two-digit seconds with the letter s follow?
3h04
